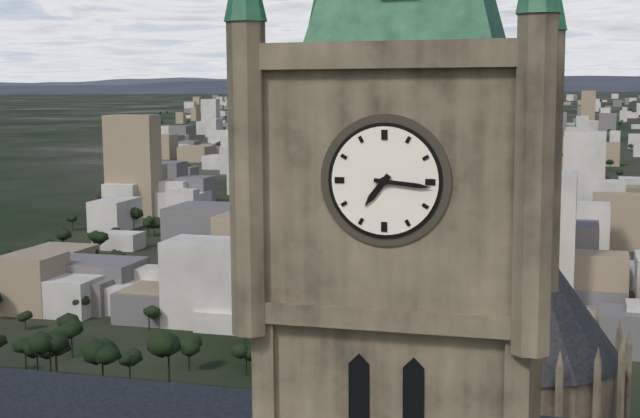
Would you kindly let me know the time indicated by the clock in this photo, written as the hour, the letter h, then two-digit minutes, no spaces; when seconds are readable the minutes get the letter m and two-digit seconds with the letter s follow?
7h16
